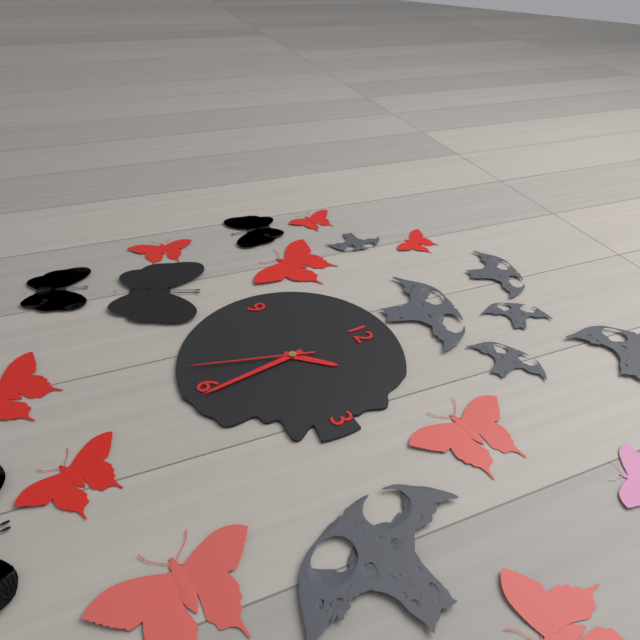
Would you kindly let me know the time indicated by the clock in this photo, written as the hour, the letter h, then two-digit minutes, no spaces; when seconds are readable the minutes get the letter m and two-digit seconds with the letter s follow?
1h29m33s
